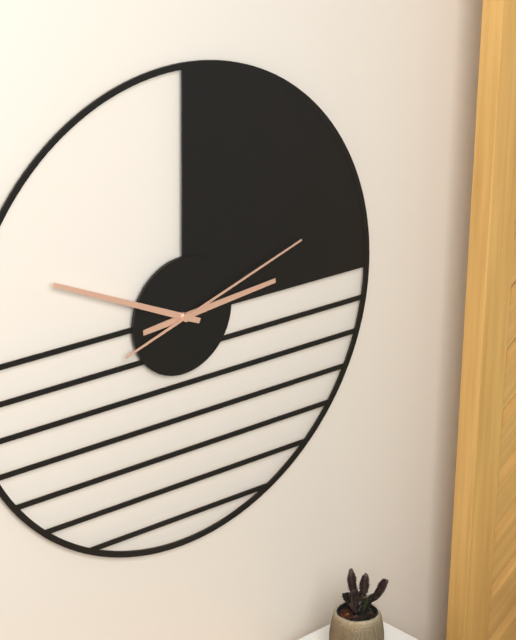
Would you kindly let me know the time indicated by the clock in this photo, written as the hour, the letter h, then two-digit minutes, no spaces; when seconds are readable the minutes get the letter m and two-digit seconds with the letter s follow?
2h49m12s
